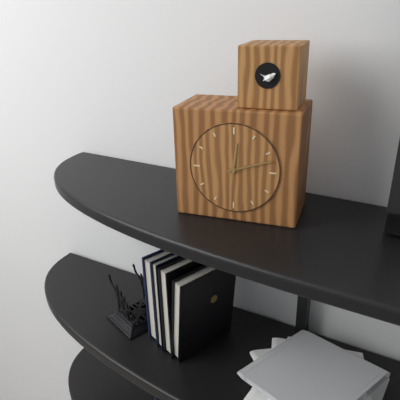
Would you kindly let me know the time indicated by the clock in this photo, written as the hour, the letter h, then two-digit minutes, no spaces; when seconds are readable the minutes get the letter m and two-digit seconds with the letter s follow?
12h12
